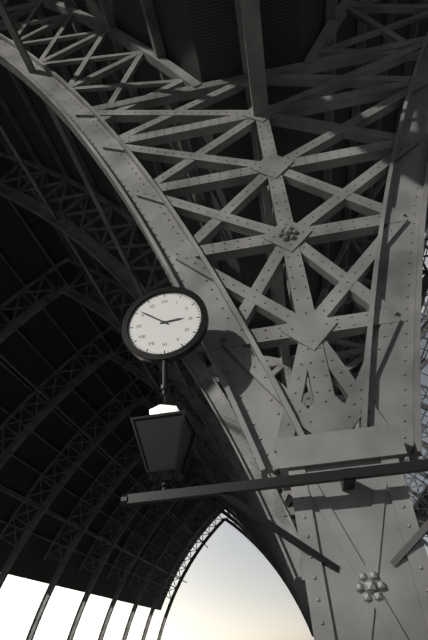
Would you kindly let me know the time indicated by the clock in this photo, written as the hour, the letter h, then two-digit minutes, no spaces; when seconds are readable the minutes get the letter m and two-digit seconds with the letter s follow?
2h51
